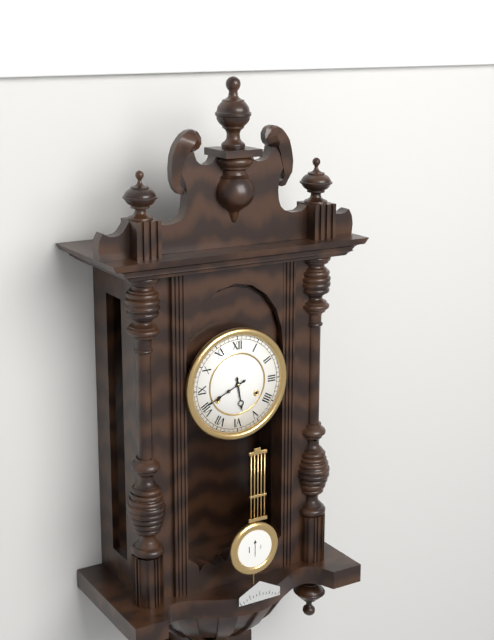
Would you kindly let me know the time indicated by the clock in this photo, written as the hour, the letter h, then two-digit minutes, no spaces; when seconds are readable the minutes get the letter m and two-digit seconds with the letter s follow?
5h41
